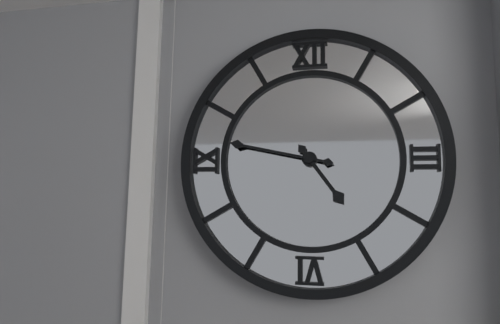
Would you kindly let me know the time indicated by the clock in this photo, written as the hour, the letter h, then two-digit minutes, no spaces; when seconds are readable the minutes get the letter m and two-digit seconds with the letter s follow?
4h47
